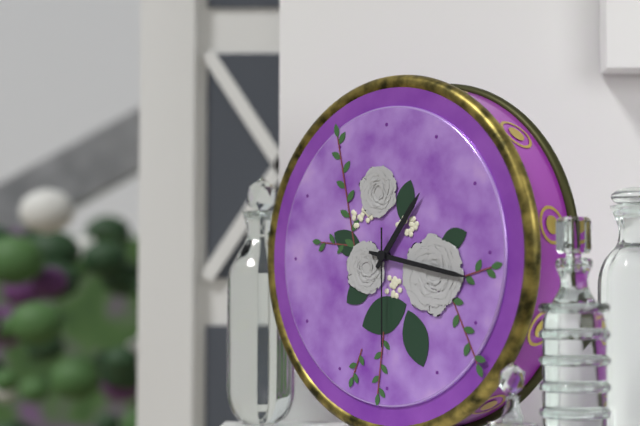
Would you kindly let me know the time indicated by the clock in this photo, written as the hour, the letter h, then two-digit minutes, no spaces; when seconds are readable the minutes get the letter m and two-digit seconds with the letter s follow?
1h17m30s
